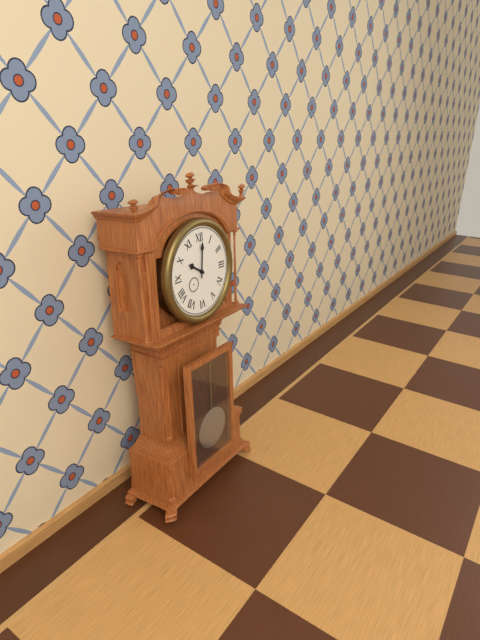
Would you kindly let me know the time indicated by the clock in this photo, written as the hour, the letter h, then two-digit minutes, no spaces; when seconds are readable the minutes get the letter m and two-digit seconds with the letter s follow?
10h01
